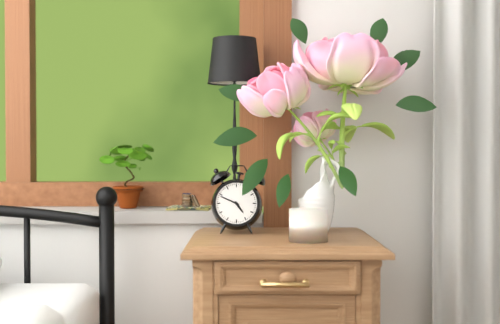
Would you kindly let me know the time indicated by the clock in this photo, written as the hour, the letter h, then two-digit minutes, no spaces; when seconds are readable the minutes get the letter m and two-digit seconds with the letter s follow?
4h49
